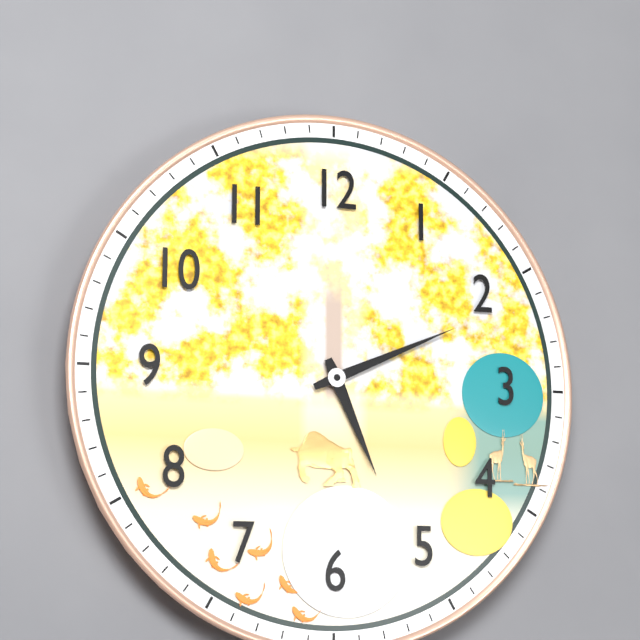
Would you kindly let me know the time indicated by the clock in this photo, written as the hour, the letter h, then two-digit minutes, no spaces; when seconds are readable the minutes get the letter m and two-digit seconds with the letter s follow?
5h11
